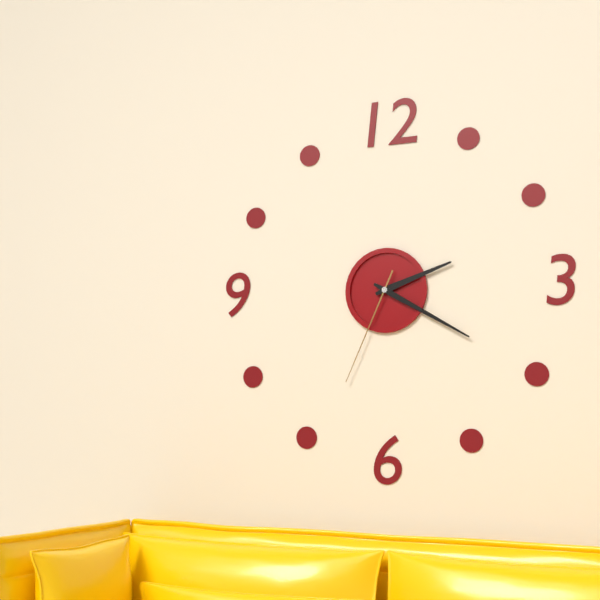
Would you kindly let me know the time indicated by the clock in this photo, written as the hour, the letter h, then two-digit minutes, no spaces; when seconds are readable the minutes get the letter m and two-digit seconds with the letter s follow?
2h20m34s
